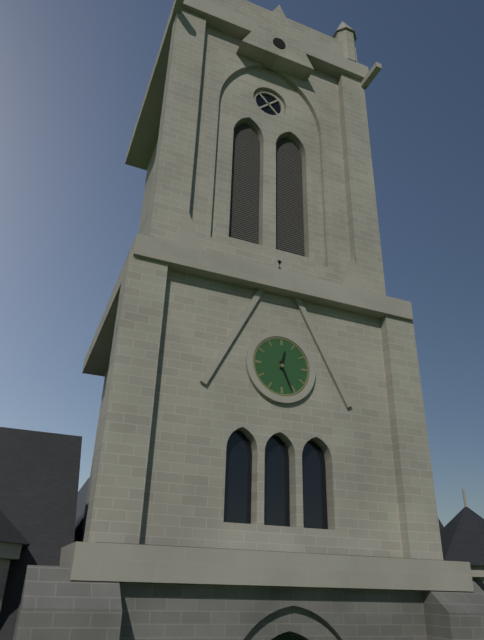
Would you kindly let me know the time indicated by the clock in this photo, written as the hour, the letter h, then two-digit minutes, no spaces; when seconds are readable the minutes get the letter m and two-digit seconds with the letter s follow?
12h26
